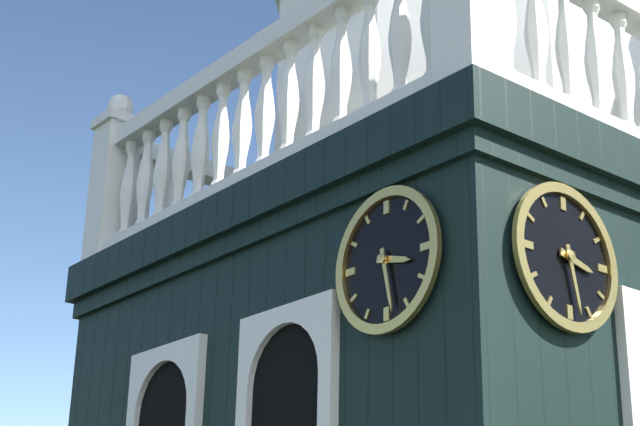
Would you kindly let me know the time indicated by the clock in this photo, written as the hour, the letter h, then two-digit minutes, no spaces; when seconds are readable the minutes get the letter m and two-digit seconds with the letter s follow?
3h28
